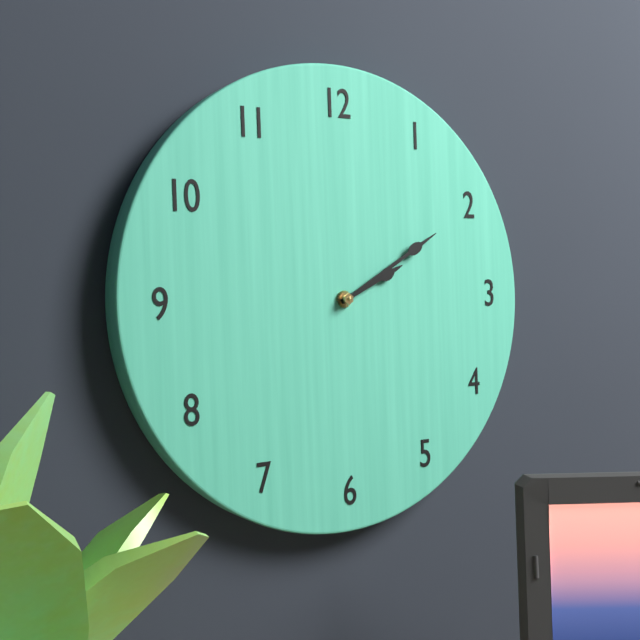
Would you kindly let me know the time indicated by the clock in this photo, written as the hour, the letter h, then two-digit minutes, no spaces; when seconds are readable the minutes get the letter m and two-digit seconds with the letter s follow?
2h10
